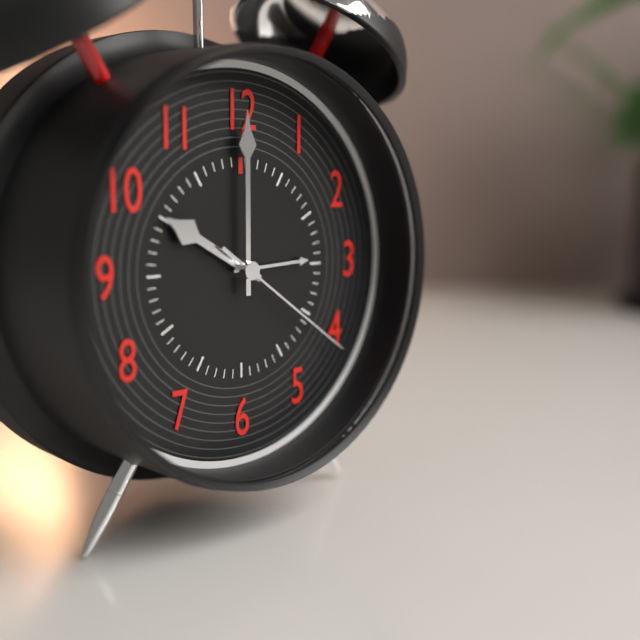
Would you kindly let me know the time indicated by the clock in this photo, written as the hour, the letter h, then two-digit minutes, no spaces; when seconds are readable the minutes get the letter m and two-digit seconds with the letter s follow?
10h00m21s
